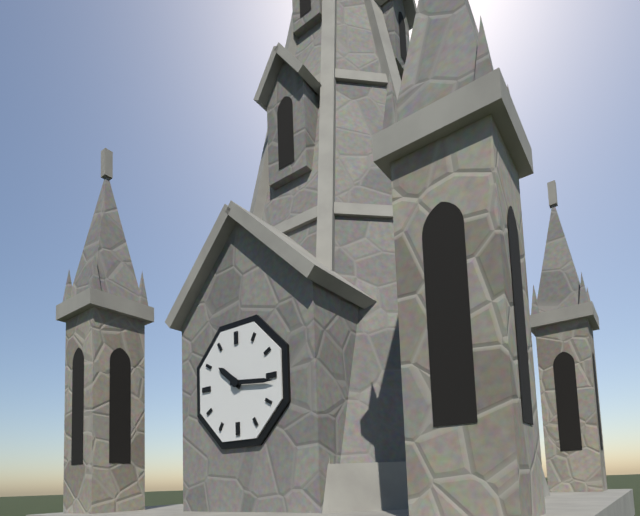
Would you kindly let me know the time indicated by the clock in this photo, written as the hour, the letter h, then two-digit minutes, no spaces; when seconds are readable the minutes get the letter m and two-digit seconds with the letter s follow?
10h16
